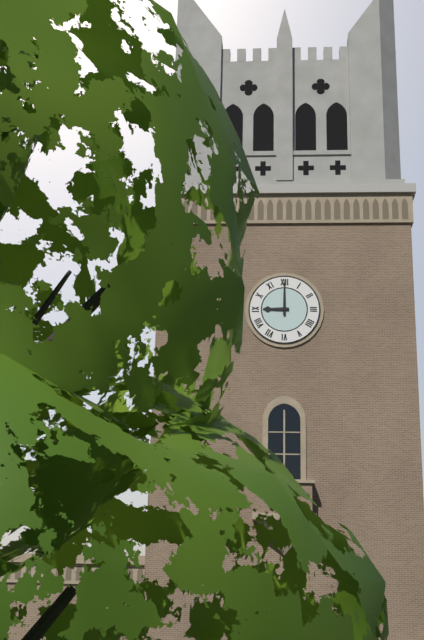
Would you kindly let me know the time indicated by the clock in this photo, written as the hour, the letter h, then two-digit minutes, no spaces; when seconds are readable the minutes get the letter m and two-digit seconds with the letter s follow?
9h00
